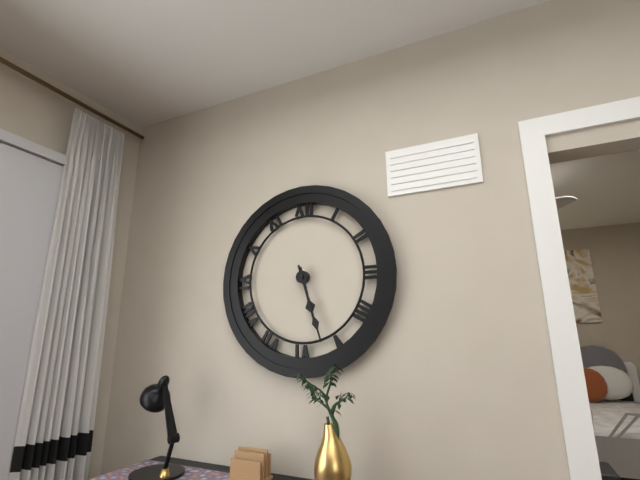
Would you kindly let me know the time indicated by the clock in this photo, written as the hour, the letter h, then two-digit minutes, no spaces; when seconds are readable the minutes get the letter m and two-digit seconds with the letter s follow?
5h27
